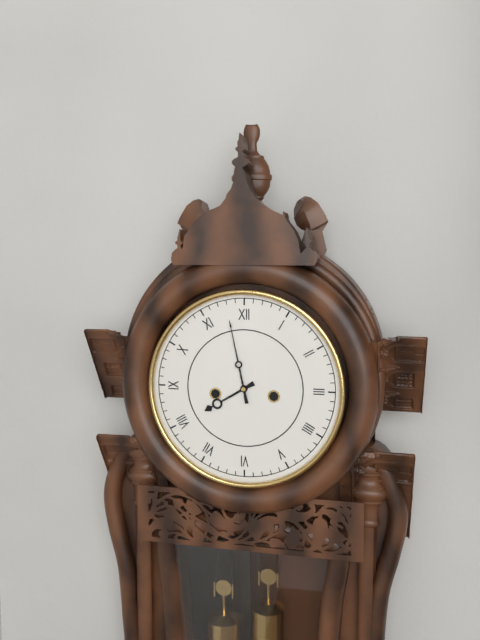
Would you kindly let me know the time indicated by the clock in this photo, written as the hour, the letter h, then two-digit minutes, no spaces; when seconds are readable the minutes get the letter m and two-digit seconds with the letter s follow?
7h58
